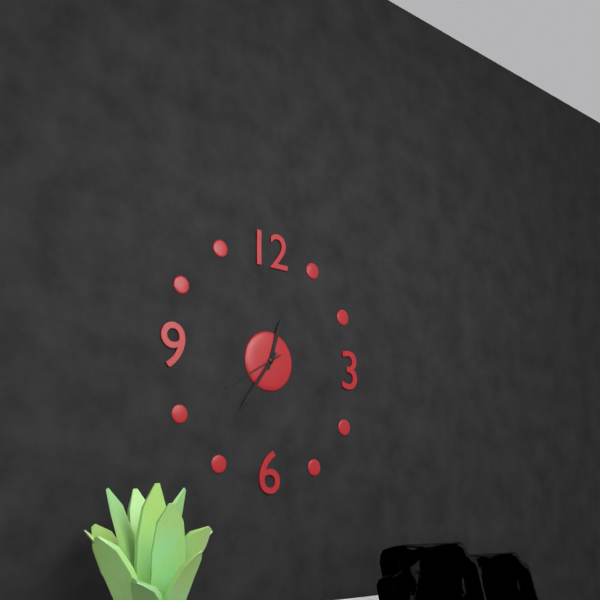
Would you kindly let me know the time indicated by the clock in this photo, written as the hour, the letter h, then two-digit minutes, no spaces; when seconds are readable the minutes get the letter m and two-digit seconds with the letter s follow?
12h36m40s
